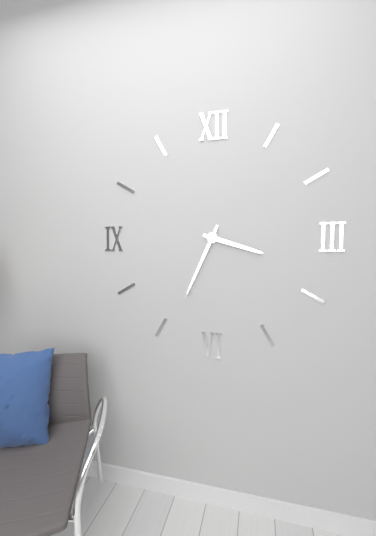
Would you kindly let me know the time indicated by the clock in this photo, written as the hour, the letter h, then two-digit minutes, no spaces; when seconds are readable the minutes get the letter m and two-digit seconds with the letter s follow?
3h34
